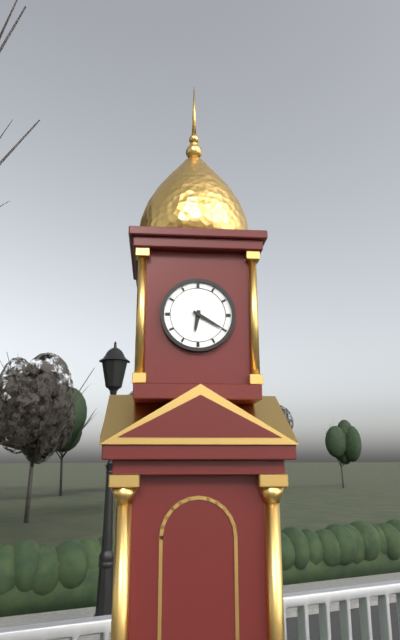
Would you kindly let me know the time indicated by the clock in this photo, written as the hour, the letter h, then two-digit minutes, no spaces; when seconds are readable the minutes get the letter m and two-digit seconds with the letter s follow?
6h20
